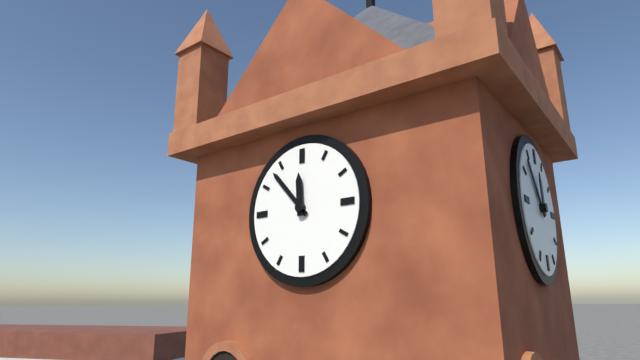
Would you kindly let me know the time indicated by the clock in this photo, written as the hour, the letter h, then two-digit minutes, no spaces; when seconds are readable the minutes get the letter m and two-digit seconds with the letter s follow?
11h53
